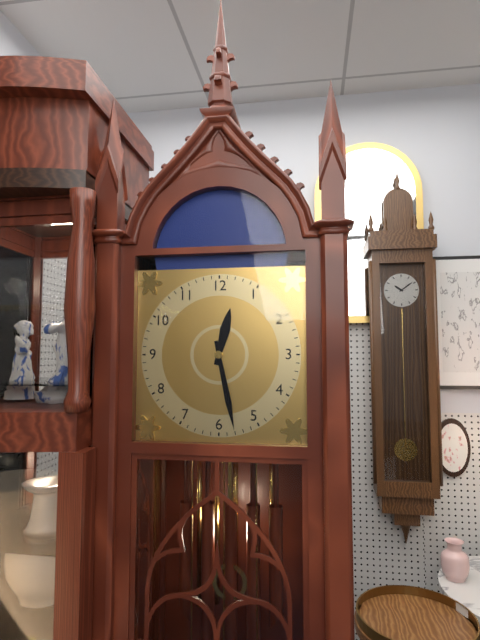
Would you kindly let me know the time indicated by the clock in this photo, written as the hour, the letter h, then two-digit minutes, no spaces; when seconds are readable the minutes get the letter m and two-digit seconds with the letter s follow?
12h28
